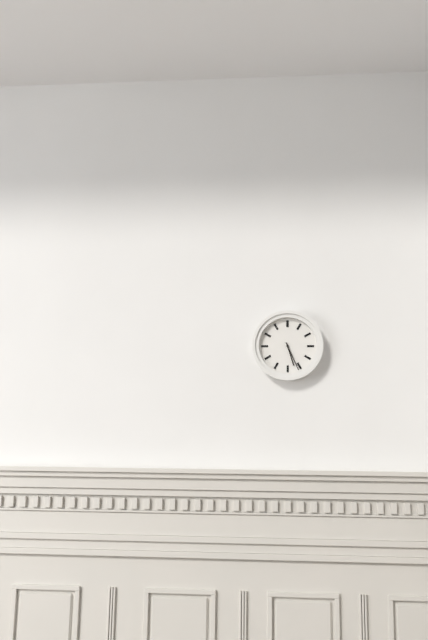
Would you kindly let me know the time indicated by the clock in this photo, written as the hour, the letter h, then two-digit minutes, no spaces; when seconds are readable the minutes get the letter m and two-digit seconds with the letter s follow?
5h26
